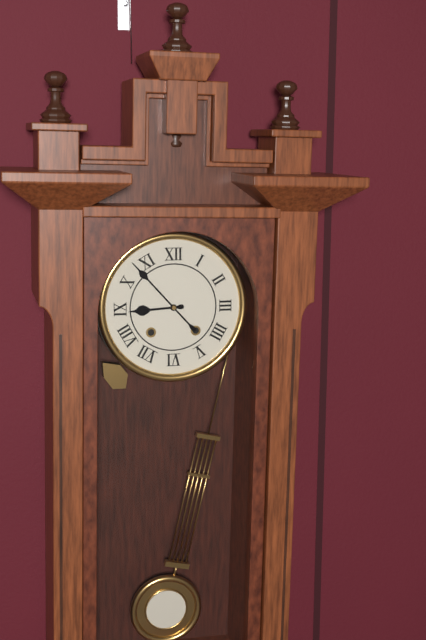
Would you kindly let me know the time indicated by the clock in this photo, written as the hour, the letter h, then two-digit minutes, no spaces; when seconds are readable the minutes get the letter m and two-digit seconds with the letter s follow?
8h53
